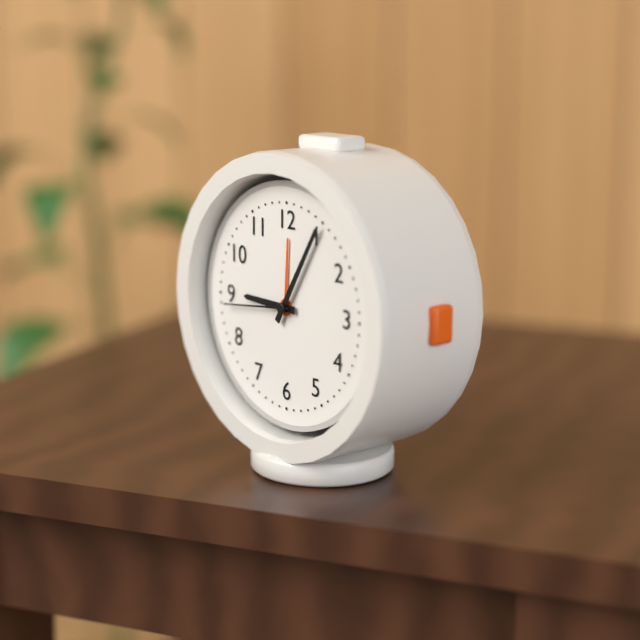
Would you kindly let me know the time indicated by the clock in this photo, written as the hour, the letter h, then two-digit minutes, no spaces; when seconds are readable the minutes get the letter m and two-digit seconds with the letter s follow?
9h05m44s
